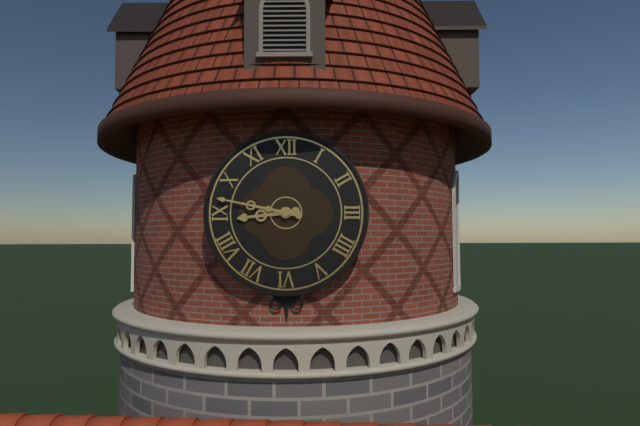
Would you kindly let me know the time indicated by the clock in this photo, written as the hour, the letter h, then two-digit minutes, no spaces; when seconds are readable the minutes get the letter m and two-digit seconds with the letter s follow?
8h47
